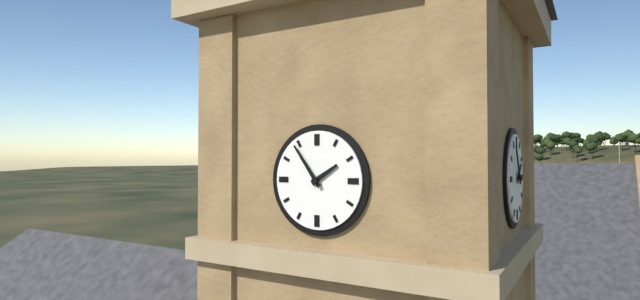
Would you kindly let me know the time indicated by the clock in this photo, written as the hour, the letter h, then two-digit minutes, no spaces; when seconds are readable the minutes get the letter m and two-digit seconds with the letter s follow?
1h54
